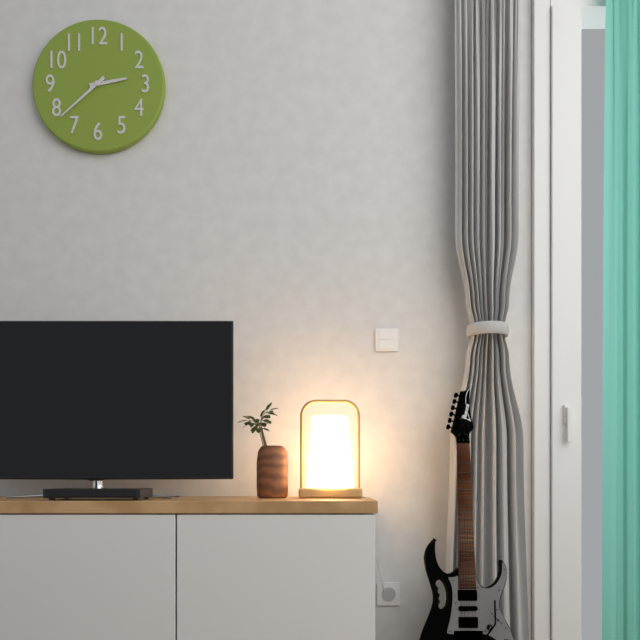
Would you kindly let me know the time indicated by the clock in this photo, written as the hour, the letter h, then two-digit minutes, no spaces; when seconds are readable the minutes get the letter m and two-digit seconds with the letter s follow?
2h38
